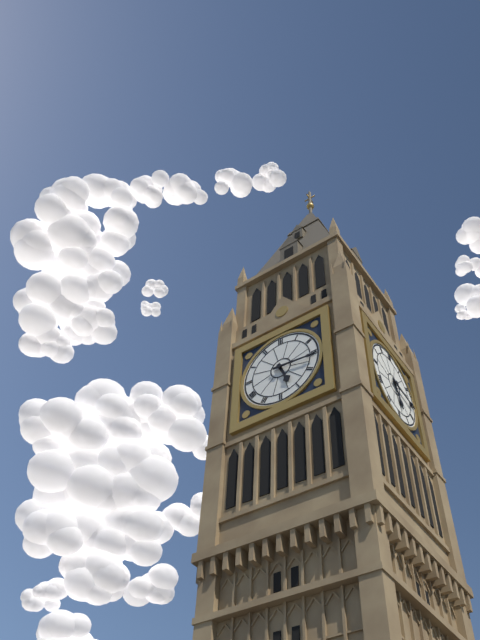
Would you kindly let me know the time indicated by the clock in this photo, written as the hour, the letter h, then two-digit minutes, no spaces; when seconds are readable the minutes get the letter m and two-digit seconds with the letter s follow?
5h16
